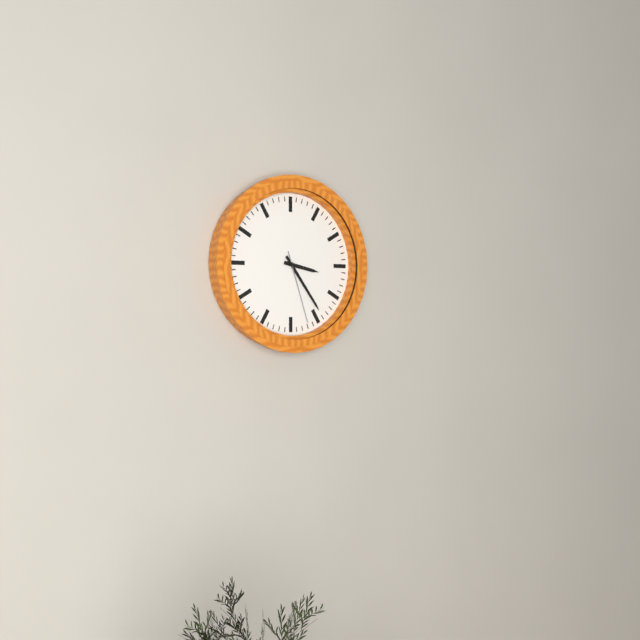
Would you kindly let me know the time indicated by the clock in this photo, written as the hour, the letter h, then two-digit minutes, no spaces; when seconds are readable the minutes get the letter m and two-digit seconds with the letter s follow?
3h24m27s
